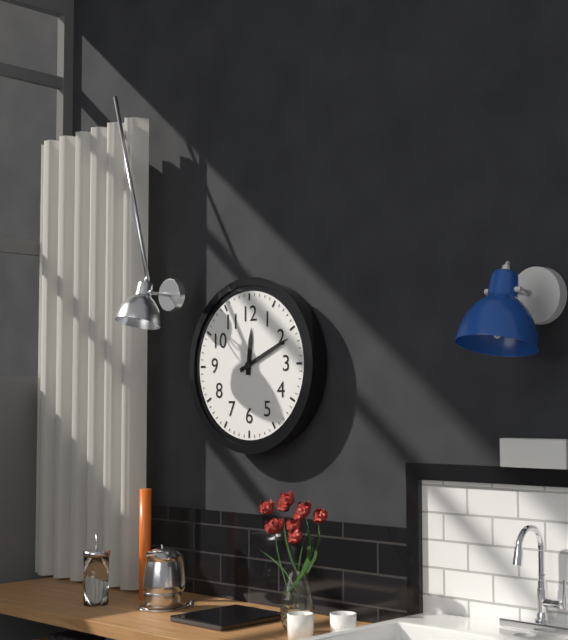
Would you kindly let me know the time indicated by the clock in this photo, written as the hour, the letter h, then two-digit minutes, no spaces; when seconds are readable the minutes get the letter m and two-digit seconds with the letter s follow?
12h11
